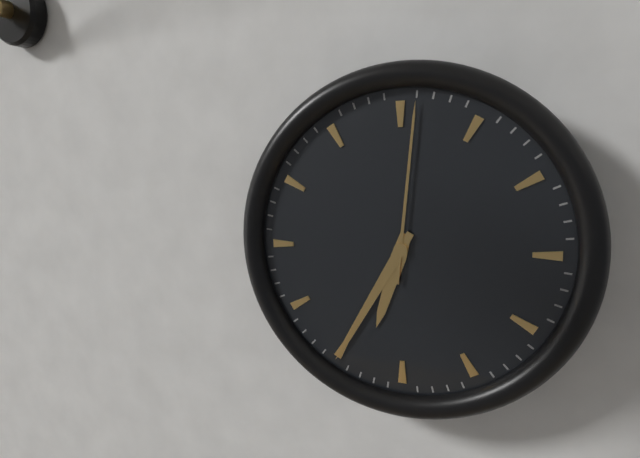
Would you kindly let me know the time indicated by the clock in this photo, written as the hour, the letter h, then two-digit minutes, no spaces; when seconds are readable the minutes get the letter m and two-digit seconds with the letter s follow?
6h35m01s
